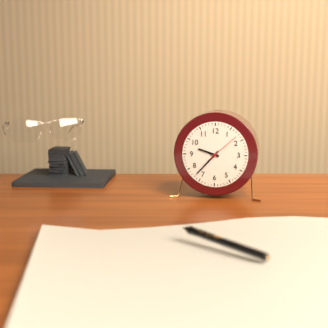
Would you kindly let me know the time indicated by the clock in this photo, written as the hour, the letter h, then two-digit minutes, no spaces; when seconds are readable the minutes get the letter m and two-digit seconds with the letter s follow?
9h37
